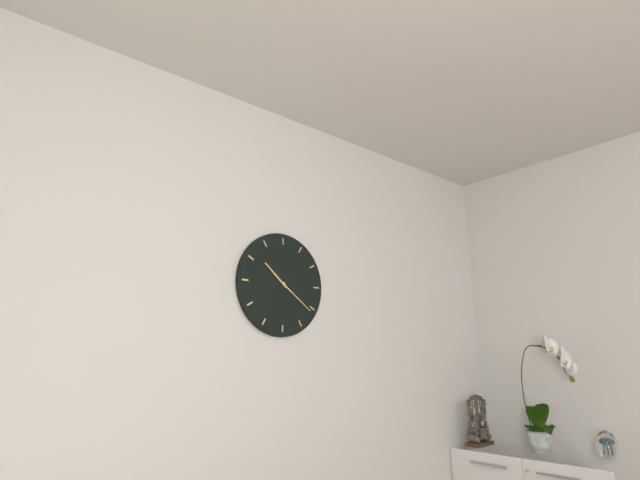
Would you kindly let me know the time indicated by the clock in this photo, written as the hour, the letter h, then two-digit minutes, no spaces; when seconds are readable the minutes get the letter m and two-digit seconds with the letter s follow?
10h21
